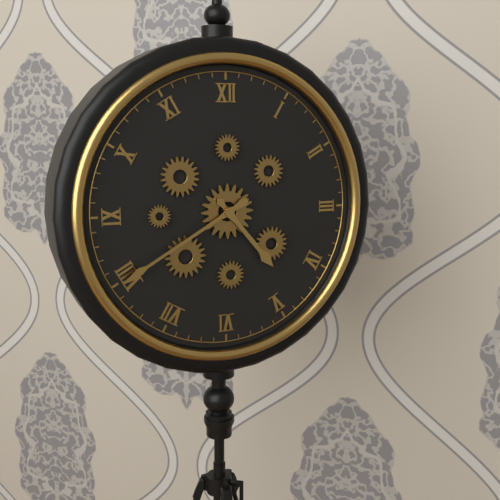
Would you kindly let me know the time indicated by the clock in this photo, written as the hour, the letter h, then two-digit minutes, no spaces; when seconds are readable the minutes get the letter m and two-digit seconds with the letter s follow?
4h40
